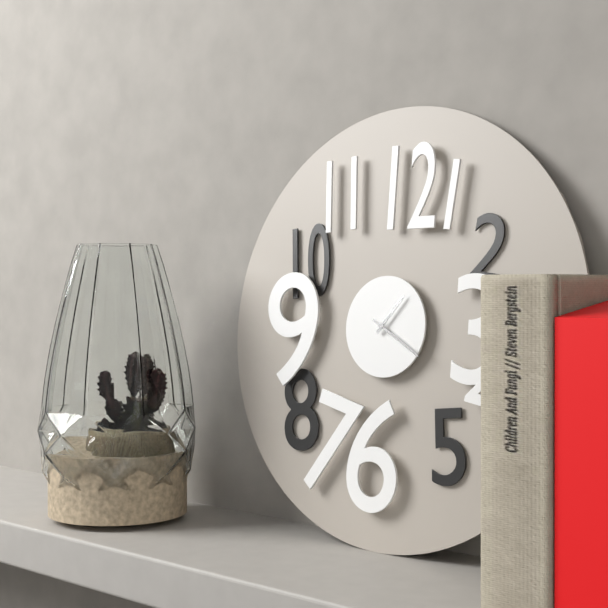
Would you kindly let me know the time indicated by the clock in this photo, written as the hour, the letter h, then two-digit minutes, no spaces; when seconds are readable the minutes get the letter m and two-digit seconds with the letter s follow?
1h20
